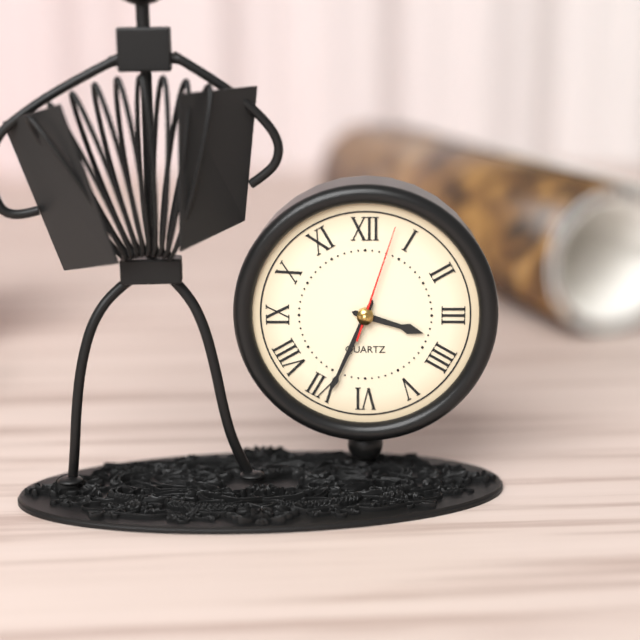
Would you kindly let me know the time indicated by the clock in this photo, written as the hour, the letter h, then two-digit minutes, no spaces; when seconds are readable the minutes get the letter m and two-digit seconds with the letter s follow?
3h34m03s
